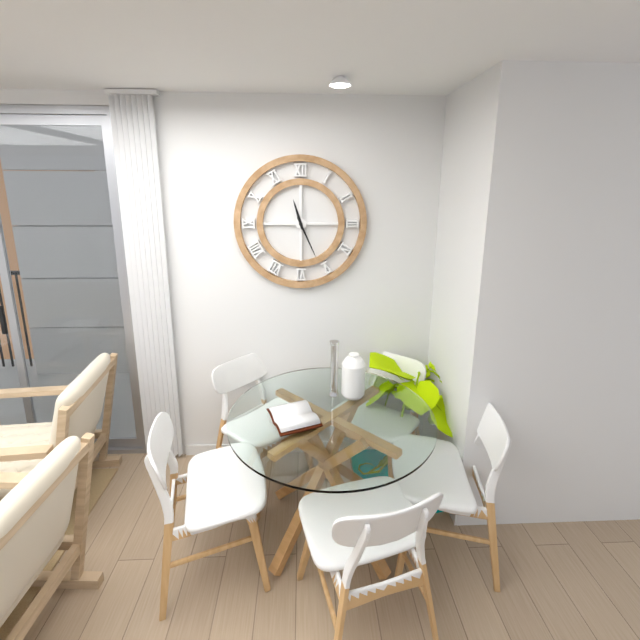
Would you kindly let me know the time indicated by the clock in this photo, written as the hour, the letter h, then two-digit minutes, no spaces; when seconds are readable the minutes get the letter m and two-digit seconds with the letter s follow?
11h26
